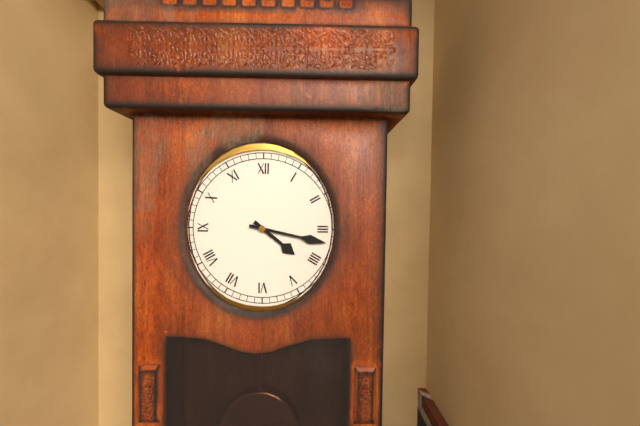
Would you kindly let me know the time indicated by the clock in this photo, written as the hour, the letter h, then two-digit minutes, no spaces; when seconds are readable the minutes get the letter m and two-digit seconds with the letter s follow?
4h17
